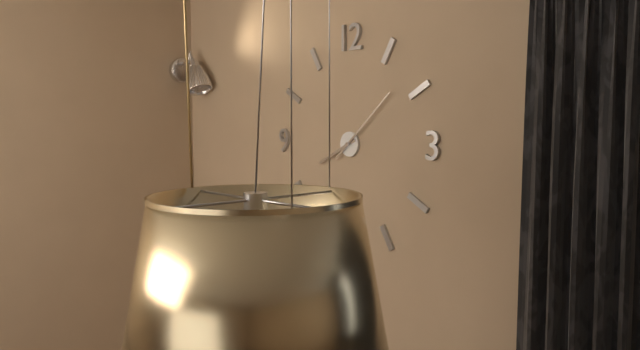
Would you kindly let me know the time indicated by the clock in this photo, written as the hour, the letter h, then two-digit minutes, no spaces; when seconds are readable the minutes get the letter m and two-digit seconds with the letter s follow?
8h08
